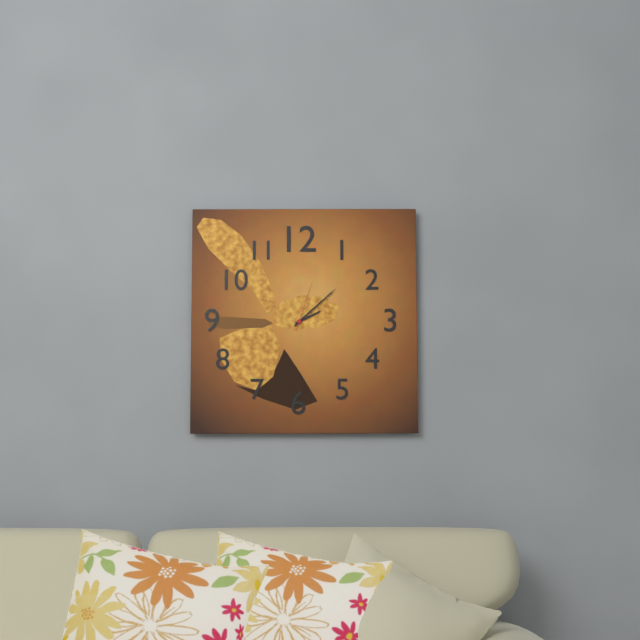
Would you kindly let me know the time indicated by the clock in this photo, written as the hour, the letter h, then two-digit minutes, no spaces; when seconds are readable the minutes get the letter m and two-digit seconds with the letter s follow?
2h08m03s
